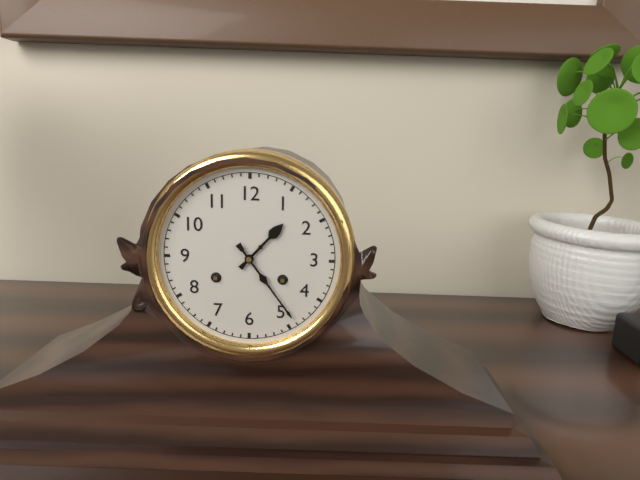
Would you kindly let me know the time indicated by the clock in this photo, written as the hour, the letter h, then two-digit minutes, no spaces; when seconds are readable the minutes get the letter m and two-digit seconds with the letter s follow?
1h24
